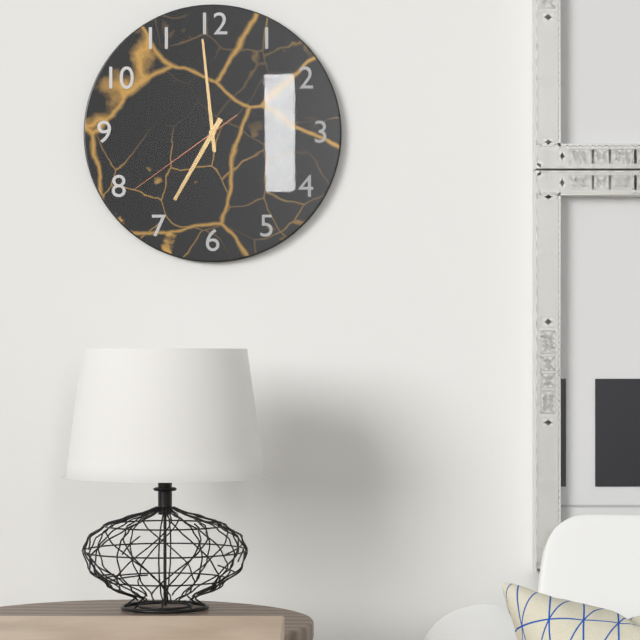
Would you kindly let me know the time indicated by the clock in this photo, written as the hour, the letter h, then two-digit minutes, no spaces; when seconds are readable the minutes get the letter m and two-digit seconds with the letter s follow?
6h59m39s
